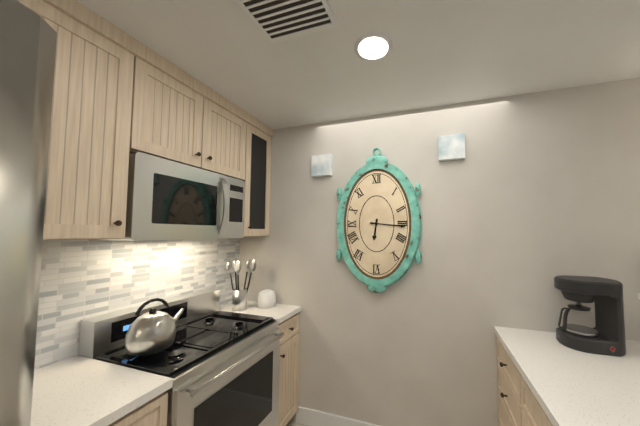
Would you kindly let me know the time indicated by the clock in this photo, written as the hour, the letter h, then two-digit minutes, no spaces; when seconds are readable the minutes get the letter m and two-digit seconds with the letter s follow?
6h16
